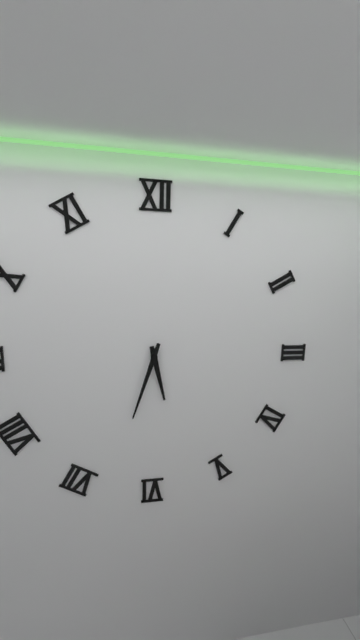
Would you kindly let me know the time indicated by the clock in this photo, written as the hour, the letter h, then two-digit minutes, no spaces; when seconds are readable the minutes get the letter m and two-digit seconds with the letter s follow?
5h33
